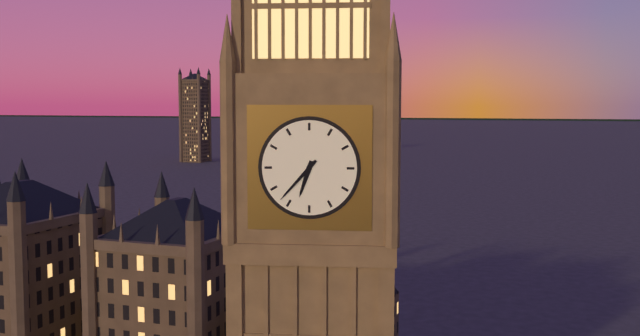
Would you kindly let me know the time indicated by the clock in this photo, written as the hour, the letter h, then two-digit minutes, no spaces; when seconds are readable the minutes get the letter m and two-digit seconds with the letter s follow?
6h37
